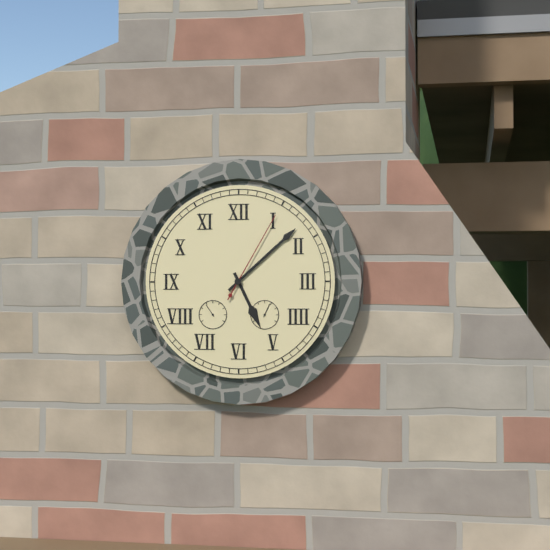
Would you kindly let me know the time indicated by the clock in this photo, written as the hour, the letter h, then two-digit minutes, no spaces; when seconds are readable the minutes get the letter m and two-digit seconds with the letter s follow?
5h08m05s
